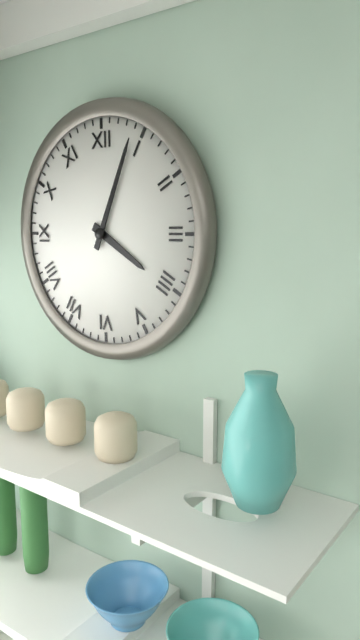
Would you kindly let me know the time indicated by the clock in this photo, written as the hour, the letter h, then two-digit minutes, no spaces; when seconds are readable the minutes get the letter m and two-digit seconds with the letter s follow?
4h04
